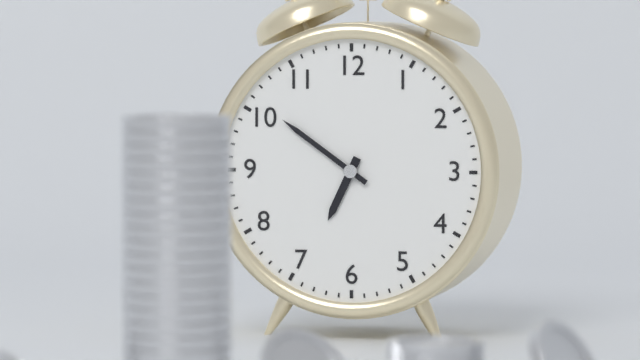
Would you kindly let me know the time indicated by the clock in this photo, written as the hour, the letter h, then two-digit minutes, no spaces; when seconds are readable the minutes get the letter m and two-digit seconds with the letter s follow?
6h51
